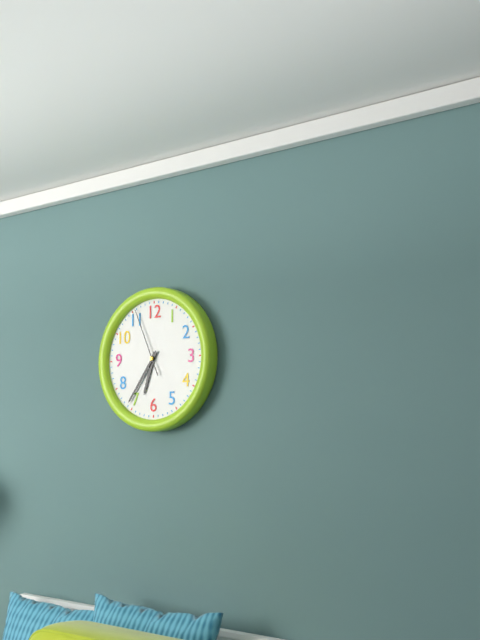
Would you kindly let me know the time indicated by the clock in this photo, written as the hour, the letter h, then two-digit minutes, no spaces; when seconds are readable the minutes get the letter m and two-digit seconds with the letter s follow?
6h36m56s
